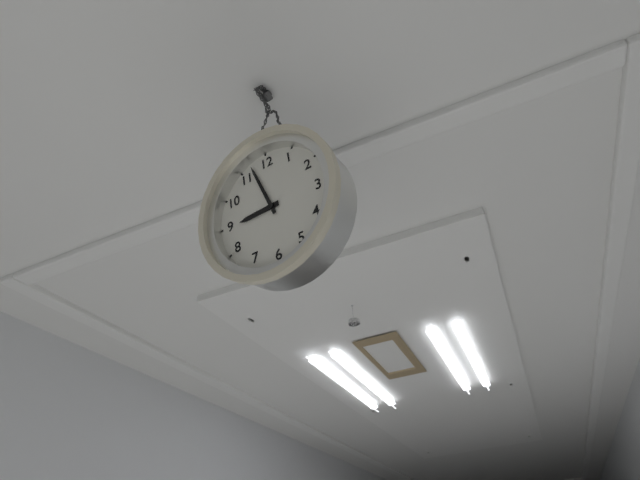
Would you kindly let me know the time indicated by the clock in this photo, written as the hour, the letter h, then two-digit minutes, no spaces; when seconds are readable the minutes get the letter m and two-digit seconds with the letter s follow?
8h57
